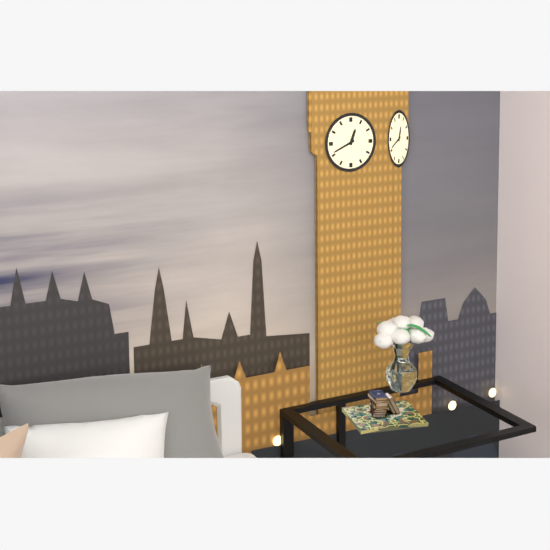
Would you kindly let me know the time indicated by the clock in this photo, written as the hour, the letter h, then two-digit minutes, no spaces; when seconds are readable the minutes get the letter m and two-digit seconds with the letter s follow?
12h41
